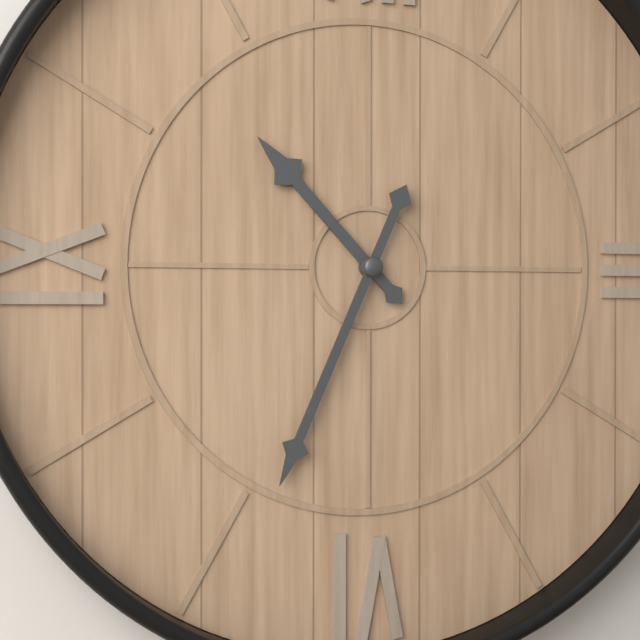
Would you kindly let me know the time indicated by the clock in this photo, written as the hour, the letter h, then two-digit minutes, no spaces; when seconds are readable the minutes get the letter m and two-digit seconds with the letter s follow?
10h34
